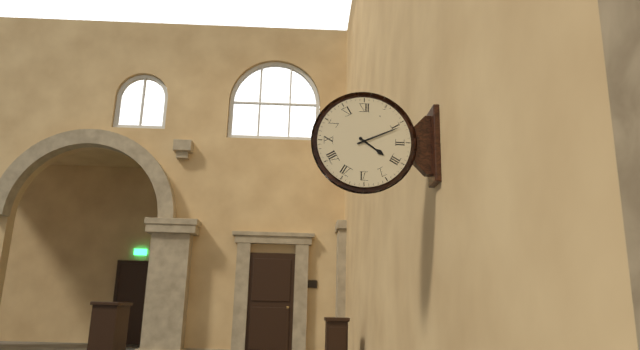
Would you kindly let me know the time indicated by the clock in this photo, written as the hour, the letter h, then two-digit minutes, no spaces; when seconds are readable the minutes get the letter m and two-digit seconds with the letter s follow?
4h11
